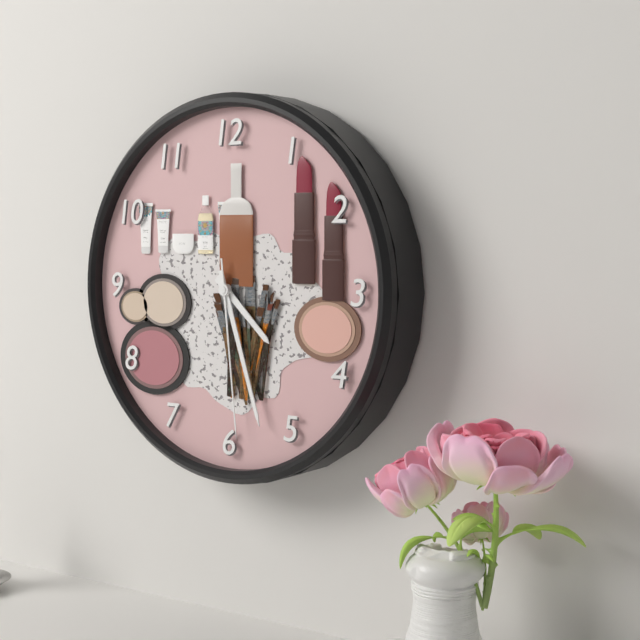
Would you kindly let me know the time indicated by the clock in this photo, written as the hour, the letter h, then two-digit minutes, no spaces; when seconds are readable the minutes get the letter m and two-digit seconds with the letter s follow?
4h27m29s
